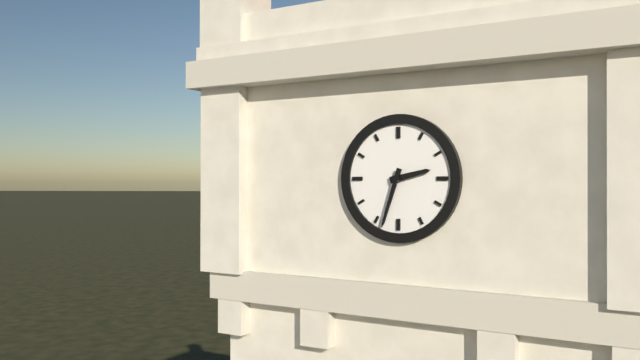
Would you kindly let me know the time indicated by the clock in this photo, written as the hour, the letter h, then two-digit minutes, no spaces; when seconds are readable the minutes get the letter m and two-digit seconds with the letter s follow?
2h33
